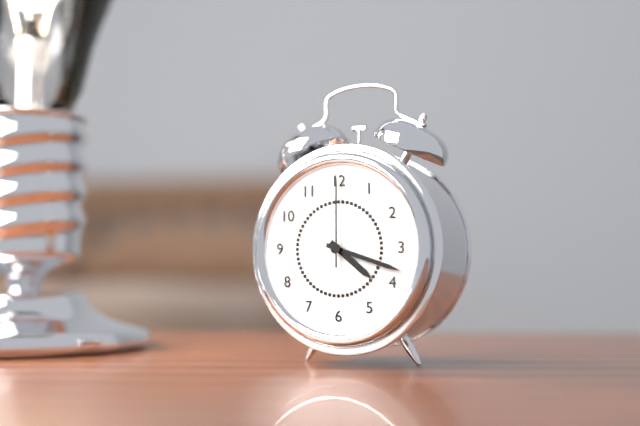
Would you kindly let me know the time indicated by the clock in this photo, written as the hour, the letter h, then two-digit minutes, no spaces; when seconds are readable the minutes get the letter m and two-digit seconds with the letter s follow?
4h18m00s
